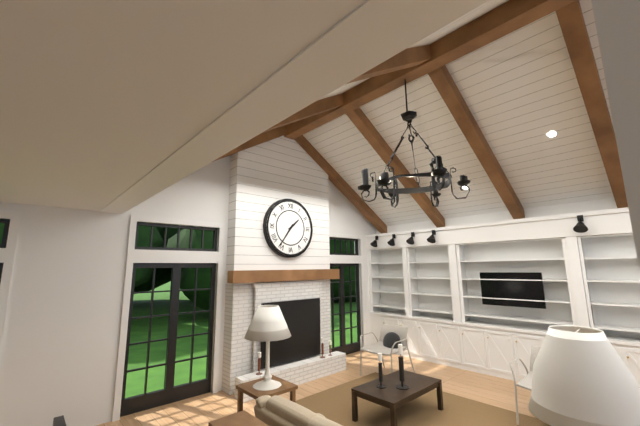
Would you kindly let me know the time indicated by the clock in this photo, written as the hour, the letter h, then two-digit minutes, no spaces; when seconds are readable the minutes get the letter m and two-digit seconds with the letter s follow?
1h36
